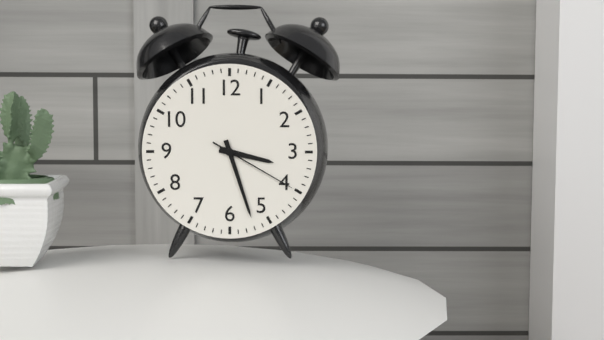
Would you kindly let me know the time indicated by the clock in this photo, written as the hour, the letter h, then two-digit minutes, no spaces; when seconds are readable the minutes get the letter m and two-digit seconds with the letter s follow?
3h27m20s
